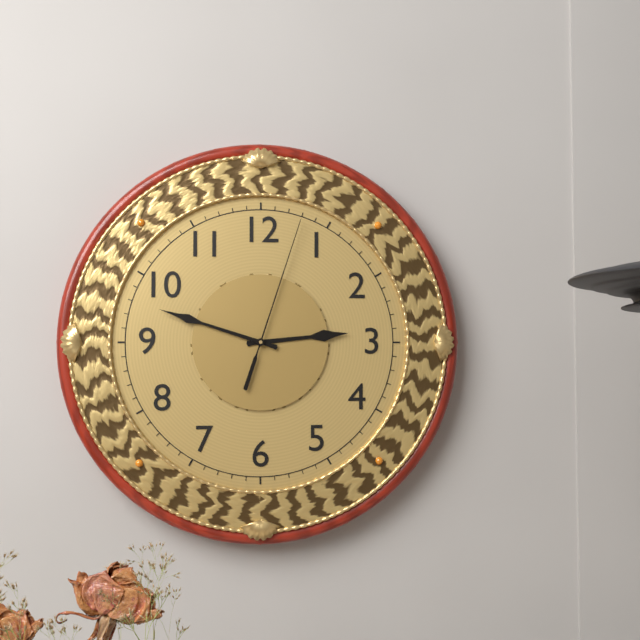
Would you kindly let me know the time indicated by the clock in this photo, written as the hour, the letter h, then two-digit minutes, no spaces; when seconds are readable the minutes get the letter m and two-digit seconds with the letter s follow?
2h48m03s
